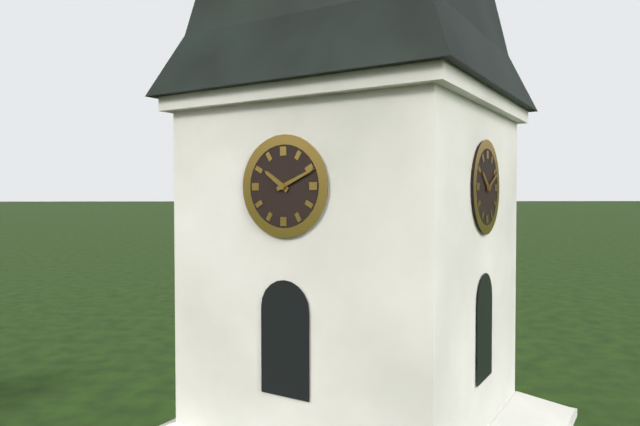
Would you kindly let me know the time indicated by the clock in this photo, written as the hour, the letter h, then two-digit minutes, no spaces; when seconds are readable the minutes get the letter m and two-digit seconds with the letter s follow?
10h11
